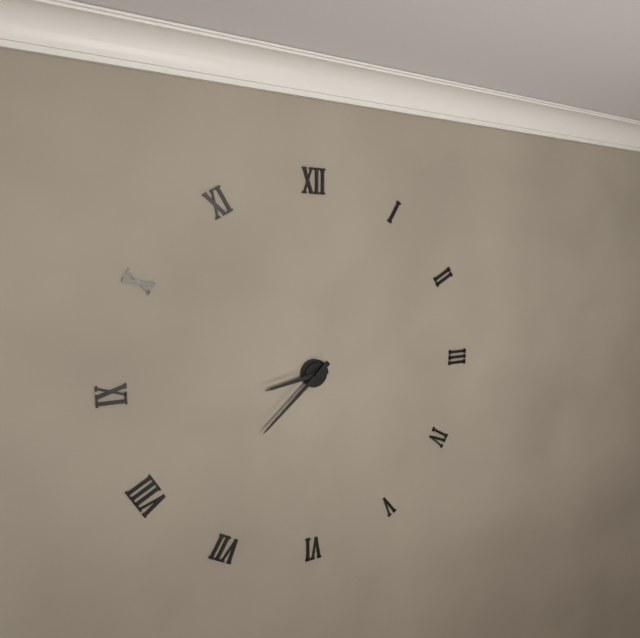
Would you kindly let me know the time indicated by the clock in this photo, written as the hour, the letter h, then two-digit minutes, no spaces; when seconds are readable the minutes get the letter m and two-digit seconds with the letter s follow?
8h38
